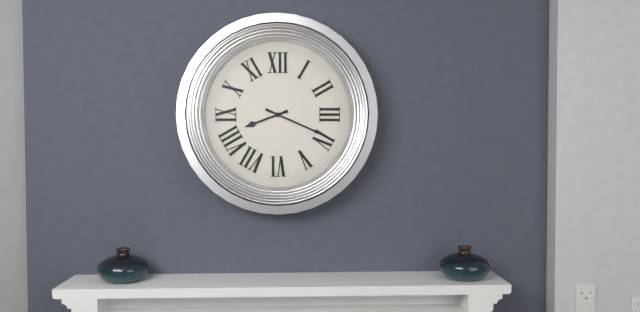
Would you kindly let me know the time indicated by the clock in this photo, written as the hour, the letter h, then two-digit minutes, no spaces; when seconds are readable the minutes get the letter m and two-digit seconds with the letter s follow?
8h19
